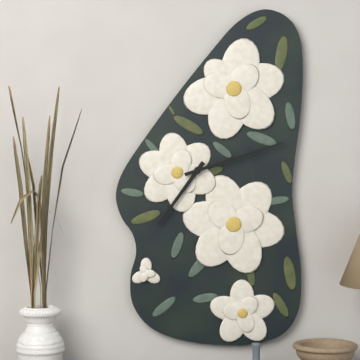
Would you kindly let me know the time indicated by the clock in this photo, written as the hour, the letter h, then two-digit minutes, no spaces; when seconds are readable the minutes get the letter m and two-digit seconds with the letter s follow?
7h12
